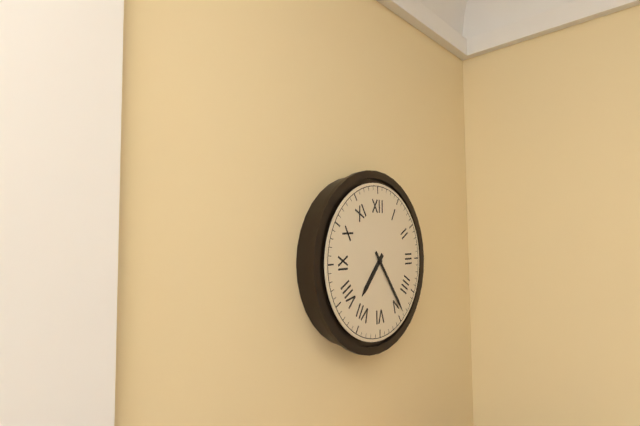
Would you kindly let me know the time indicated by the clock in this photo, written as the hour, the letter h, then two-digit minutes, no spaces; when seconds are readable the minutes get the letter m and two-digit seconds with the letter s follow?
7h24
